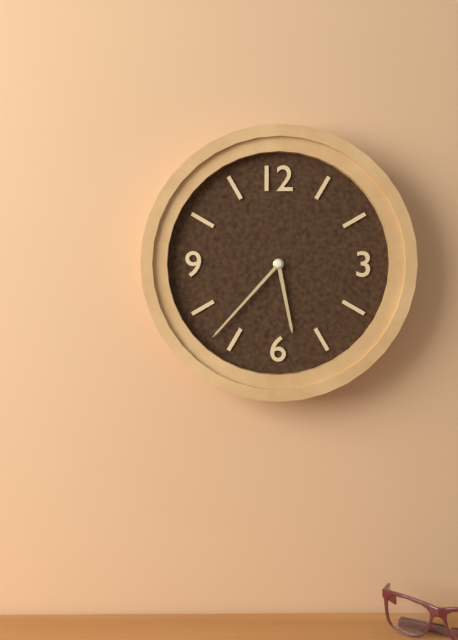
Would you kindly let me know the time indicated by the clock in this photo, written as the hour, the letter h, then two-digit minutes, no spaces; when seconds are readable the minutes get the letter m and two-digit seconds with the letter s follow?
5h37
